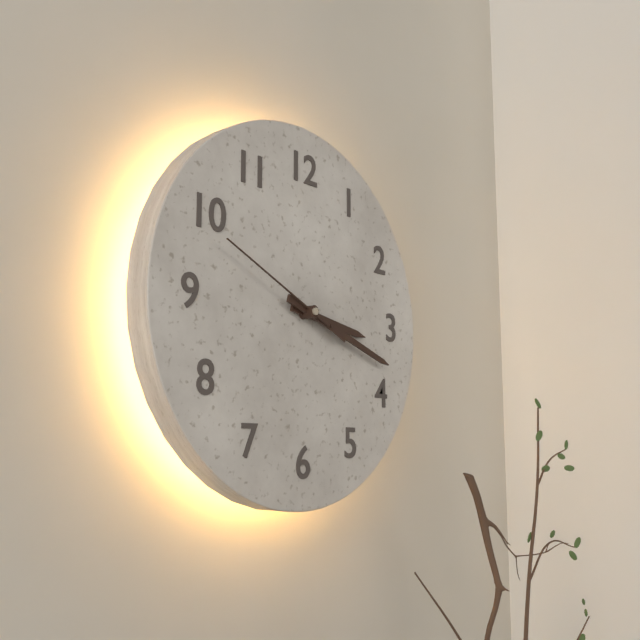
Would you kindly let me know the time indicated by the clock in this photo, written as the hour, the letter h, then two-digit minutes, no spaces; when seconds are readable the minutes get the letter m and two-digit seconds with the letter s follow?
3h18m49s
